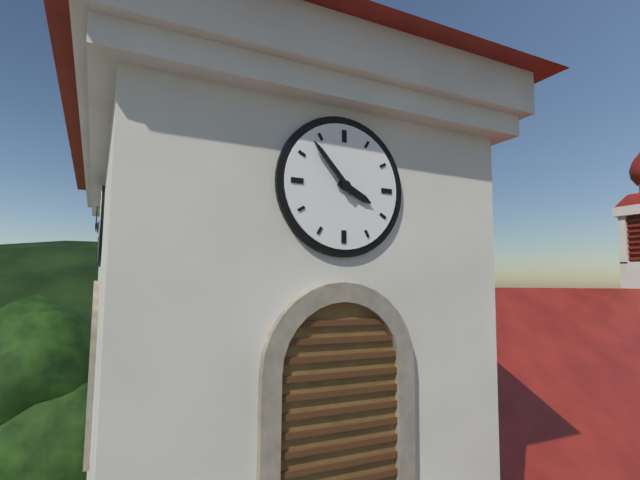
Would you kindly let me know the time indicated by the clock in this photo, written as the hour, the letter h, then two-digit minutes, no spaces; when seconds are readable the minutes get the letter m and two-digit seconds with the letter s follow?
3h53
